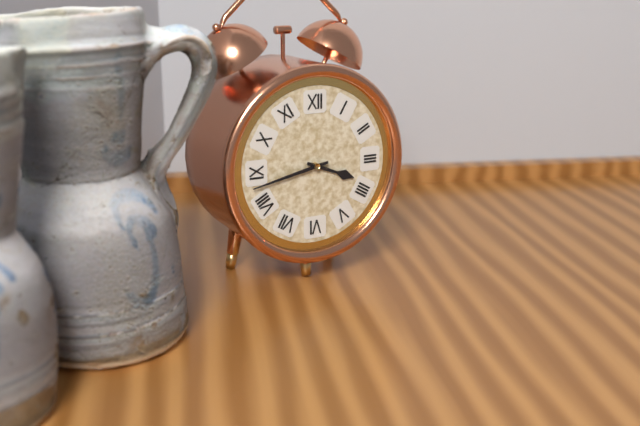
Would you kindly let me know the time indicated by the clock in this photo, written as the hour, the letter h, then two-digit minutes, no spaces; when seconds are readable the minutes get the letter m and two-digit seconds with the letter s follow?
3h43
